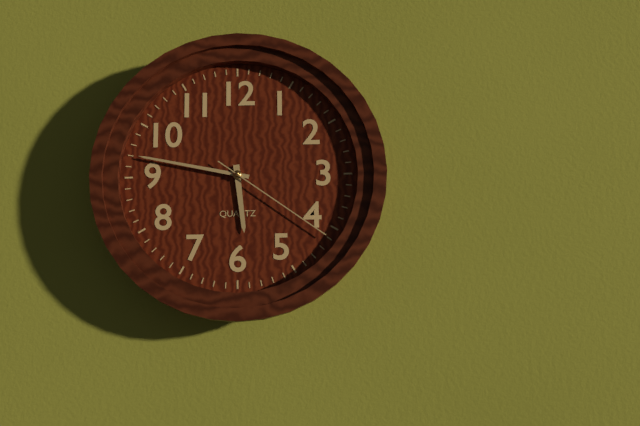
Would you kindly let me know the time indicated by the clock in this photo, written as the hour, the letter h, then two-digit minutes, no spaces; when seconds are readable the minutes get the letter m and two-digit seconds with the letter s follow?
5h47m21s
